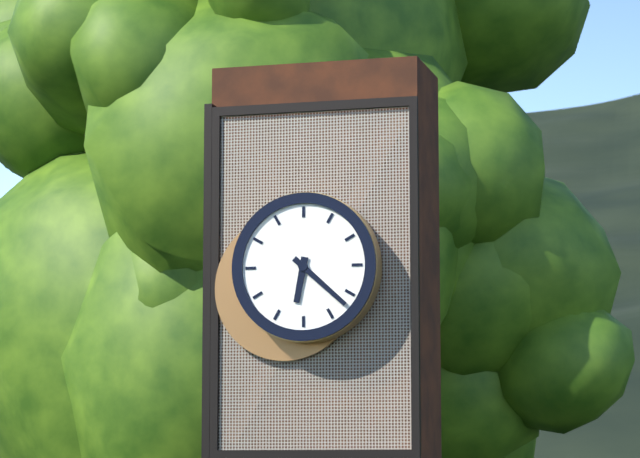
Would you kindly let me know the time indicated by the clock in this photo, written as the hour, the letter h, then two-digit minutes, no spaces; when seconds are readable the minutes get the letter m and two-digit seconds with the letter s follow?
6h22
